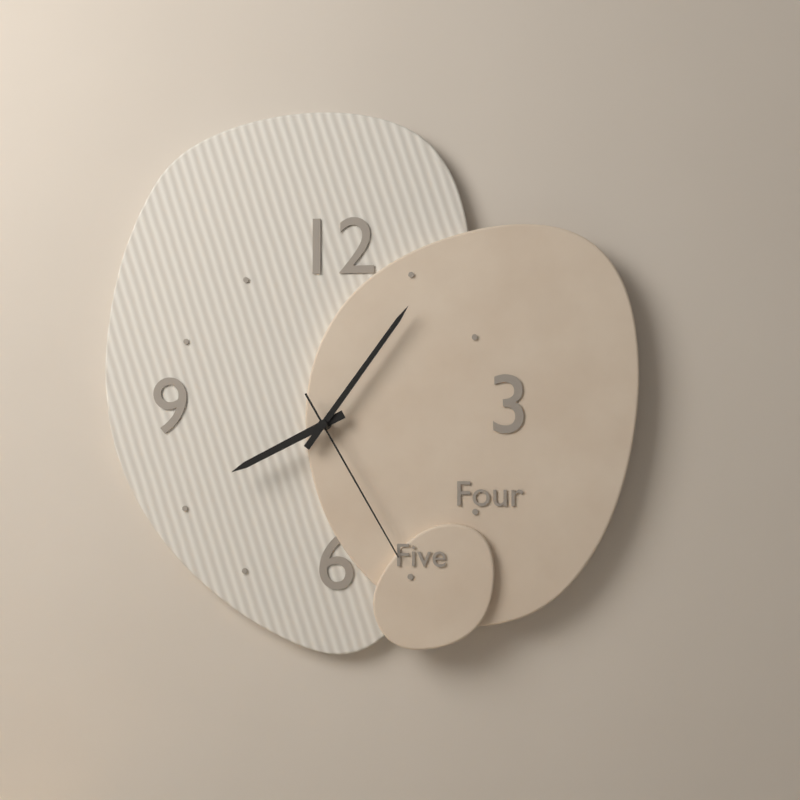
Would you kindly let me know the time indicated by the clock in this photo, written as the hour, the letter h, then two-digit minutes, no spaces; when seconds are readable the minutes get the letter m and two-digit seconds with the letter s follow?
8h06m25s
